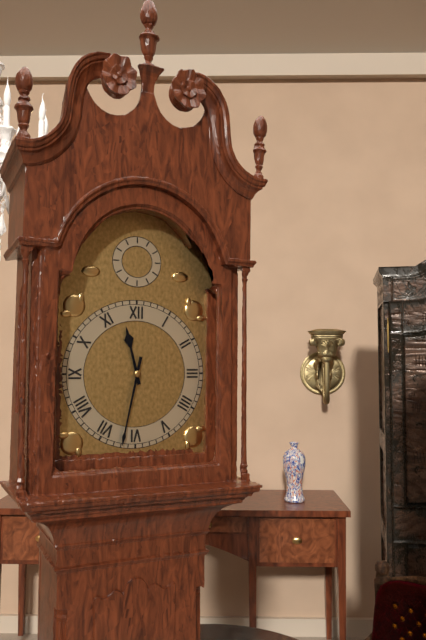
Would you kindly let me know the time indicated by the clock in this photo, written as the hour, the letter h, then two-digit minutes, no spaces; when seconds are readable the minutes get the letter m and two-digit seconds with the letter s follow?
11h32
